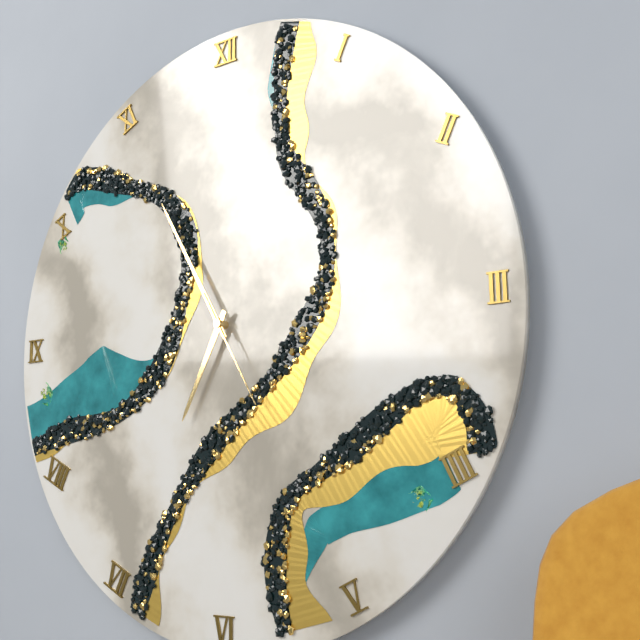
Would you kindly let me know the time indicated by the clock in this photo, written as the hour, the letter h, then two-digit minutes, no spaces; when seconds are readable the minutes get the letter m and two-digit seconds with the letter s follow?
6h55m25s
